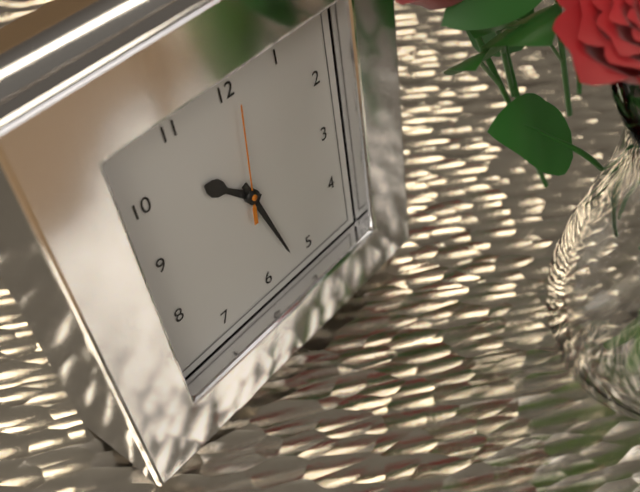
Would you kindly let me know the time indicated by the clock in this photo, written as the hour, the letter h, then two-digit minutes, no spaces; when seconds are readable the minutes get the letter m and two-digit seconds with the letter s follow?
10h27m01s
